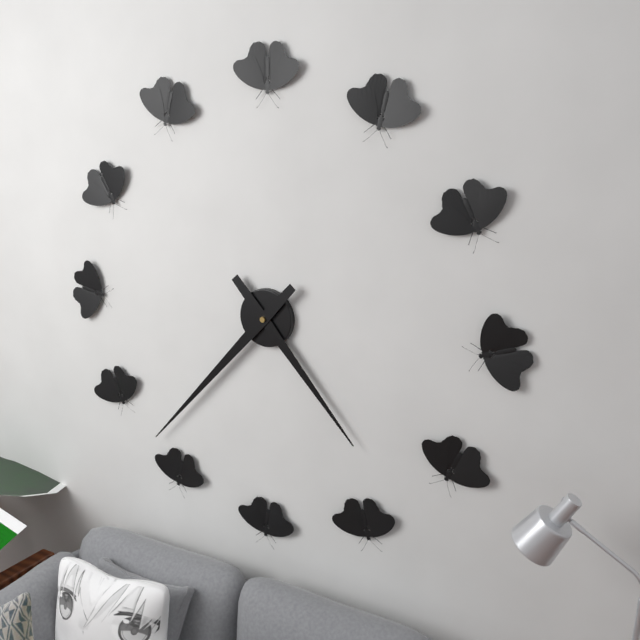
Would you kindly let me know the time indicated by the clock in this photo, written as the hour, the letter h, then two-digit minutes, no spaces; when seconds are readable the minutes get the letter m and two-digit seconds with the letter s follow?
4h37
